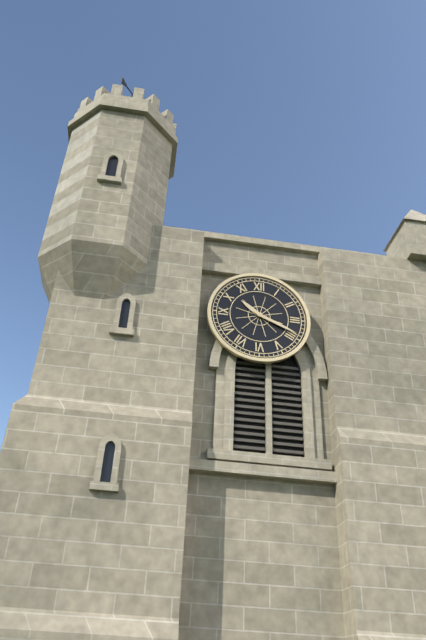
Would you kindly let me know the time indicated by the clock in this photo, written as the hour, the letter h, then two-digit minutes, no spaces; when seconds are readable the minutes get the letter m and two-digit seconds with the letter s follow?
10h19
